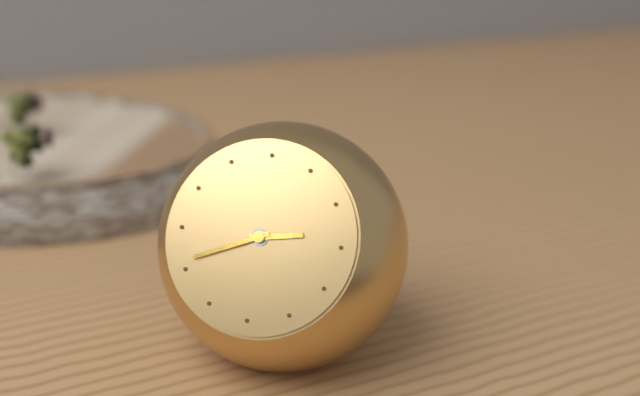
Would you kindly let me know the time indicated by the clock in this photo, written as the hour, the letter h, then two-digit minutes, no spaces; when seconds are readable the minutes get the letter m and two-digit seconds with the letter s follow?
2h41
